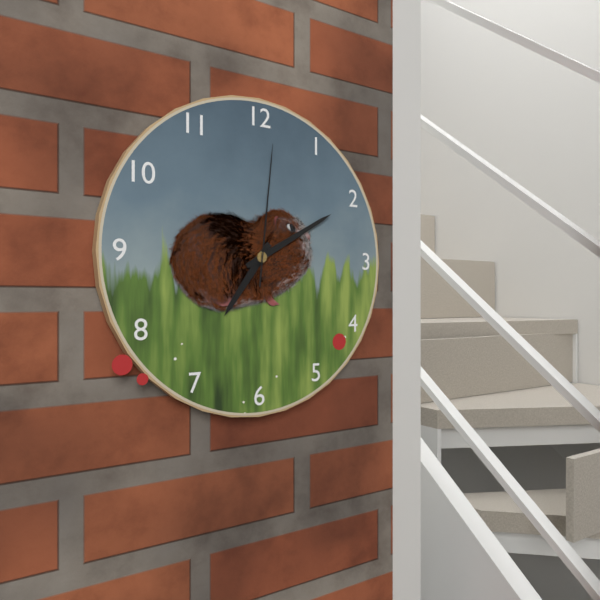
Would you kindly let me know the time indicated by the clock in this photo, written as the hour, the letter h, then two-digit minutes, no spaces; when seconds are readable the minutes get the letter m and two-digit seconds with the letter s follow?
7h10m01s
